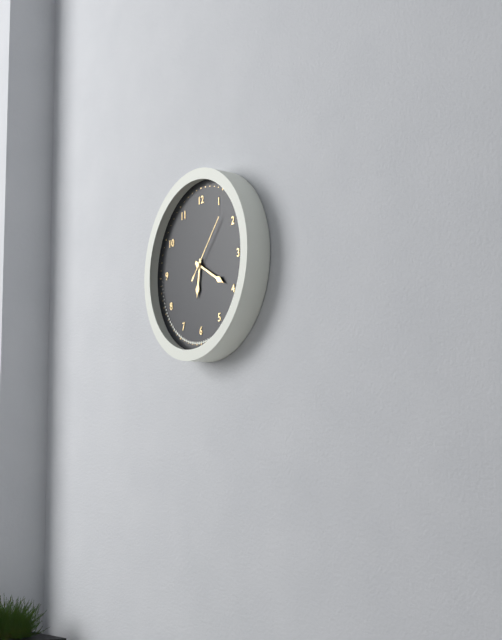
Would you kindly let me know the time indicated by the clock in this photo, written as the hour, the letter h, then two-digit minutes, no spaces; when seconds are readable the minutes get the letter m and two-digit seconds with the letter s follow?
6h20m07s
